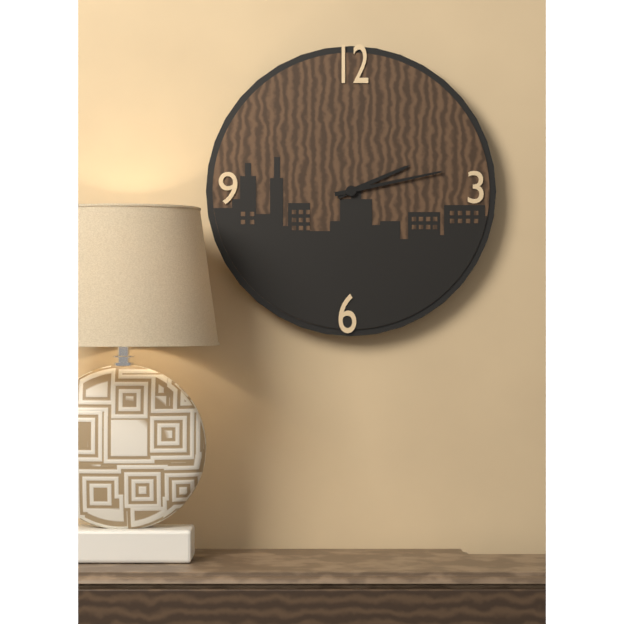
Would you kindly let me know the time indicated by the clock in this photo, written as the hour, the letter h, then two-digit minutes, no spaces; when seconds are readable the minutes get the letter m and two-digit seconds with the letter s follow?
2h13
